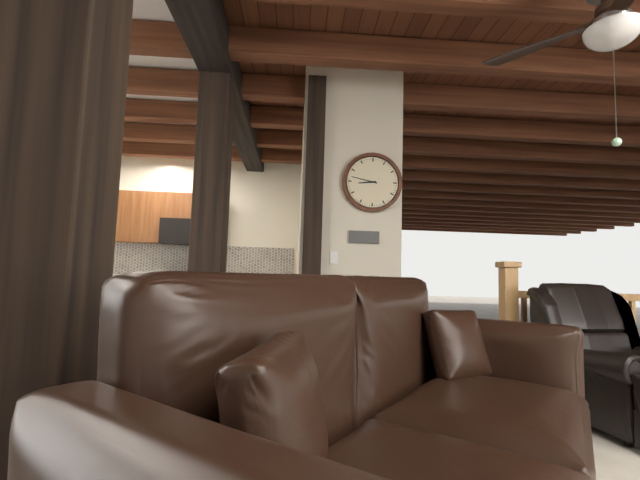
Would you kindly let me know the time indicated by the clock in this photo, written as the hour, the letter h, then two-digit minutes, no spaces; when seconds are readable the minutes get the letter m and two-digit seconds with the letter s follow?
8h47
